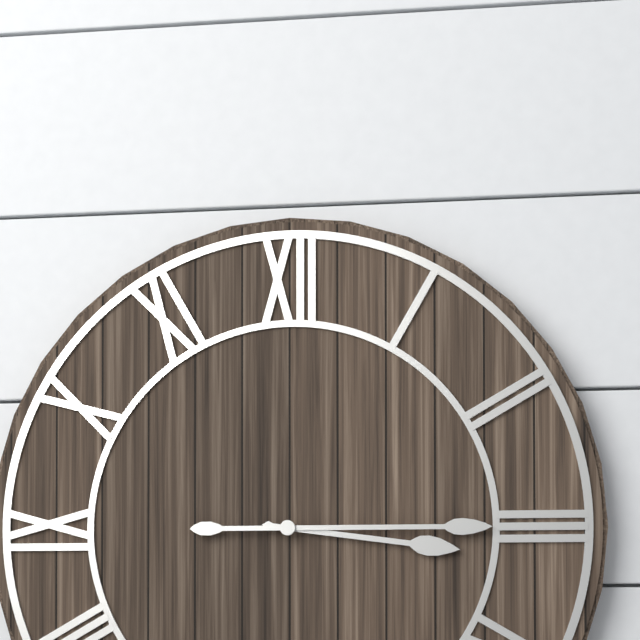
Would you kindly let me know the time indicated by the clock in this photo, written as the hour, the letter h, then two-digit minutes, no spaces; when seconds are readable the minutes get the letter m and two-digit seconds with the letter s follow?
3h15
